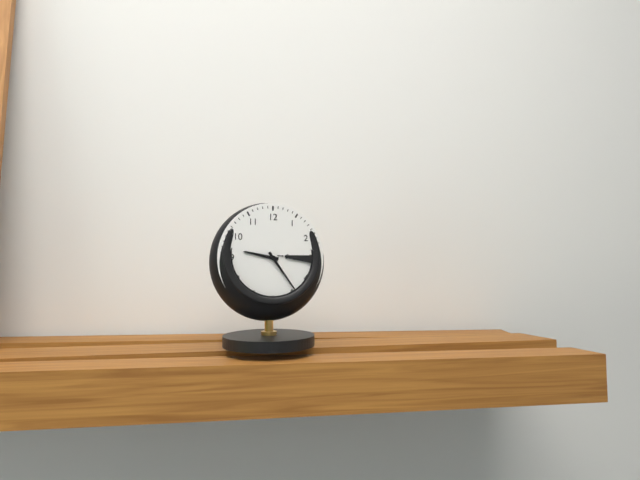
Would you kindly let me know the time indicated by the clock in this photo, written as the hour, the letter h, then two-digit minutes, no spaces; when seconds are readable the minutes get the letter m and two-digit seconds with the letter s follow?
9h24
